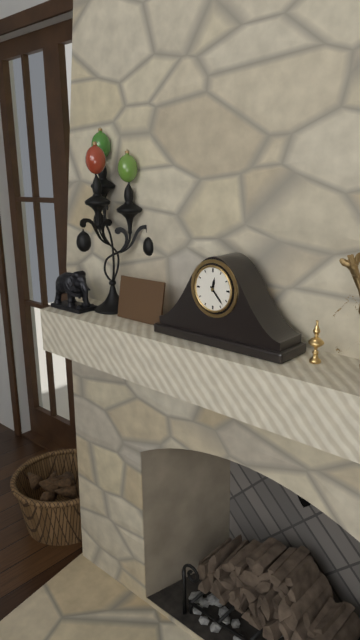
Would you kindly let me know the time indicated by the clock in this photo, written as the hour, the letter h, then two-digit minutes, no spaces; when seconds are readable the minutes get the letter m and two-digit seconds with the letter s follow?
12h23
